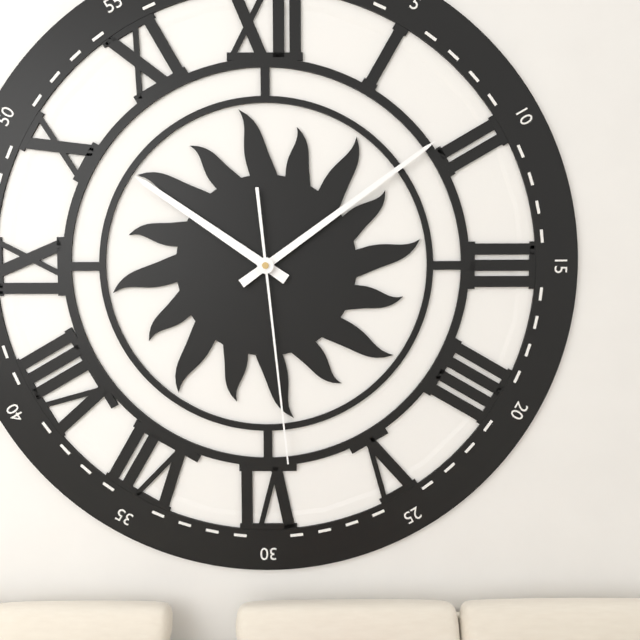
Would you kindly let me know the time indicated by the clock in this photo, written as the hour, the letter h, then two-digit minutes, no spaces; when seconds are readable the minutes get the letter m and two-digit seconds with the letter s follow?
10h09m29s
